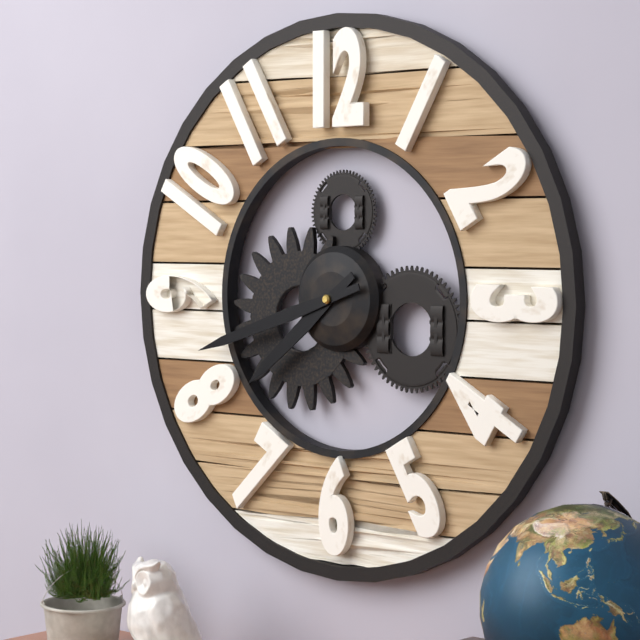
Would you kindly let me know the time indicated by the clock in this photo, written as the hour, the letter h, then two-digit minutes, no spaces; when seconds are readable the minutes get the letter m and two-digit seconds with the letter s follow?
7h42
